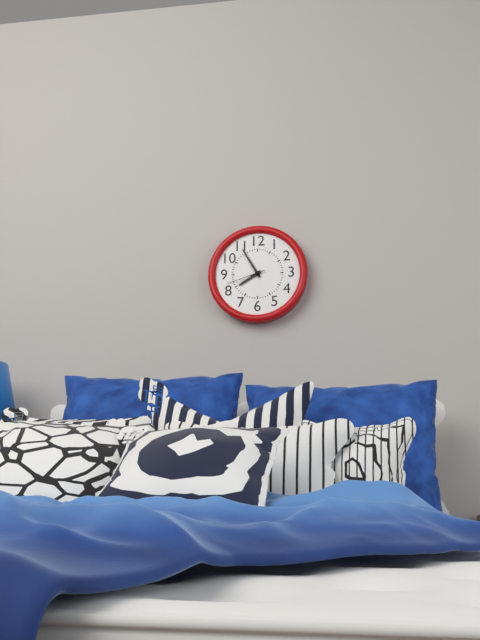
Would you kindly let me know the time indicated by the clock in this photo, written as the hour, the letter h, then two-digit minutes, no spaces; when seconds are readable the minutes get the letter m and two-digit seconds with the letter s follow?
7h55
